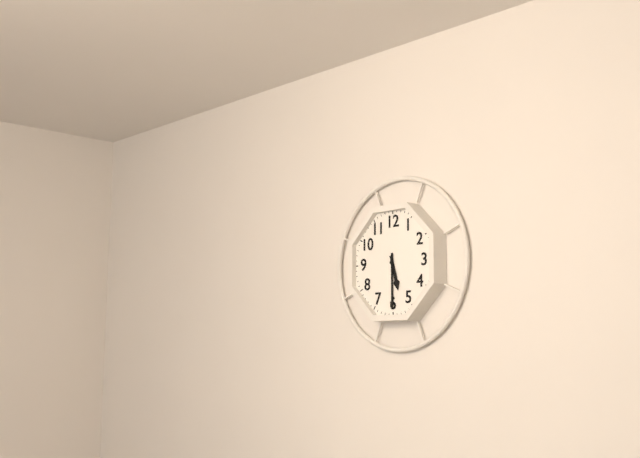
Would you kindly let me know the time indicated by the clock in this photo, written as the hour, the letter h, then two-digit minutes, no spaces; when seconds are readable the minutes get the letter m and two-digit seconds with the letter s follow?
5h30
